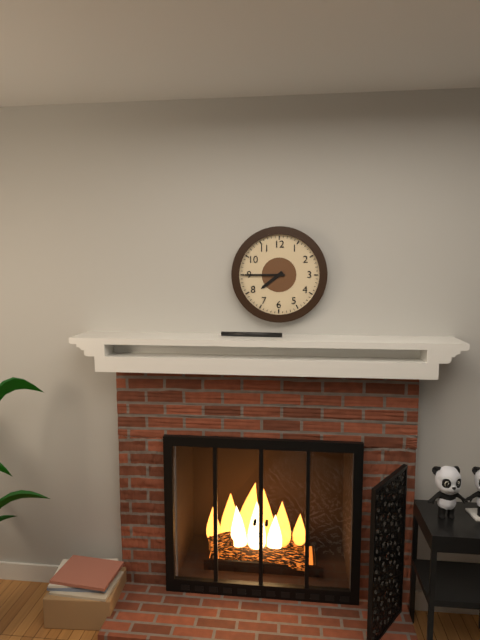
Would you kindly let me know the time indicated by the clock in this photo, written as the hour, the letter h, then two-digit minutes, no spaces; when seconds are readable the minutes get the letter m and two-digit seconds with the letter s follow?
7h45
